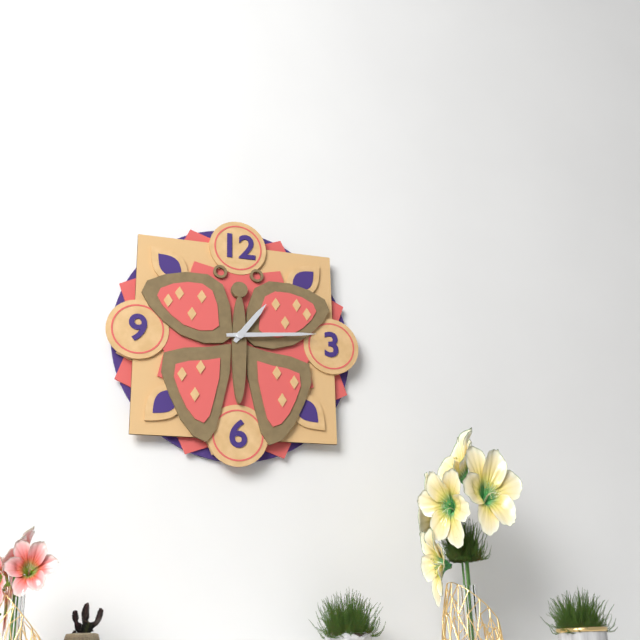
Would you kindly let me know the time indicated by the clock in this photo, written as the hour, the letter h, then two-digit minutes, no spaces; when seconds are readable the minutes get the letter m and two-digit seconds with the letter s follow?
1h14
